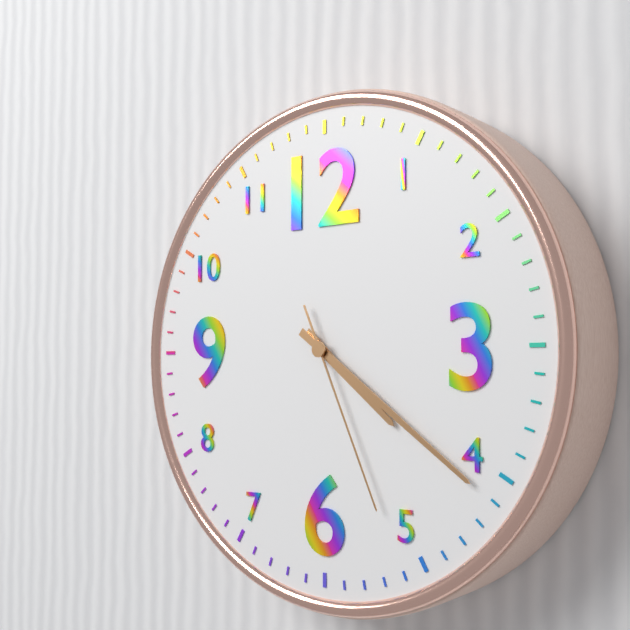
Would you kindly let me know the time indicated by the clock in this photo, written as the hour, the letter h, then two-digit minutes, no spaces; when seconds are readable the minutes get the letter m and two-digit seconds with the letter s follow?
4h21m26s
